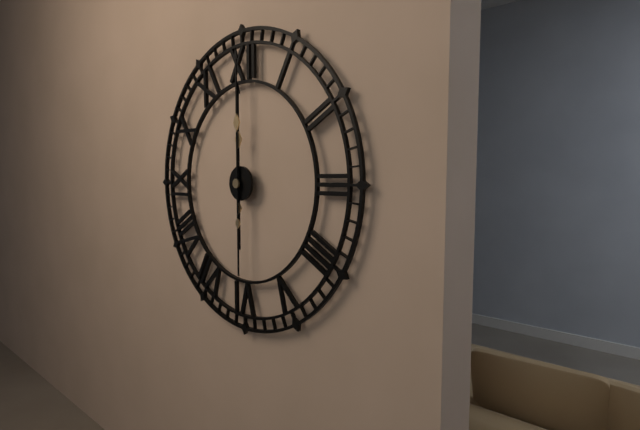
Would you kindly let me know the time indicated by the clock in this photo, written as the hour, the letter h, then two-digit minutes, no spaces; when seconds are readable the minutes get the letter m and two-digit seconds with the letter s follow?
12h00
